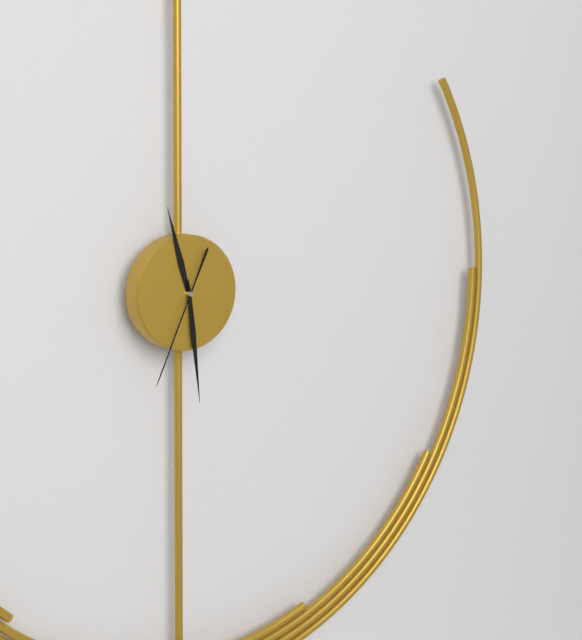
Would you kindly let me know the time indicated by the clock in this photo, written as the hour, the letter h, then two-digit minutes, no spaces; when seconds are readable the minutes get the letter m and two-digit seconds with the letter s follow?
11h29m34s
